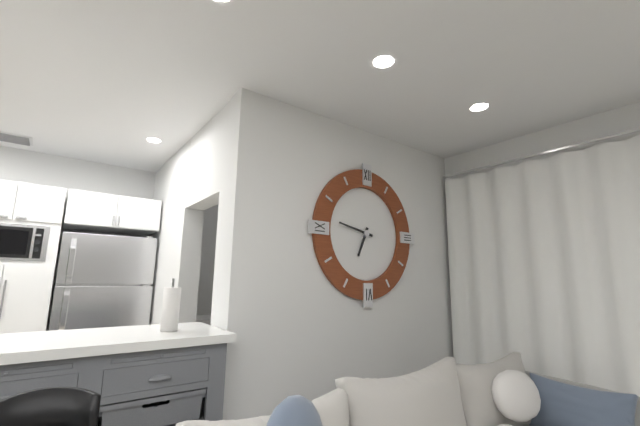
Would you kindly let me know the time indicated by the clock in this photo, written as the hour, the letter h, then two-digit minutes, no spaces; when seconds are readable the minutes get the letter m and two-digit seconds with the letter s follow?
6h47
